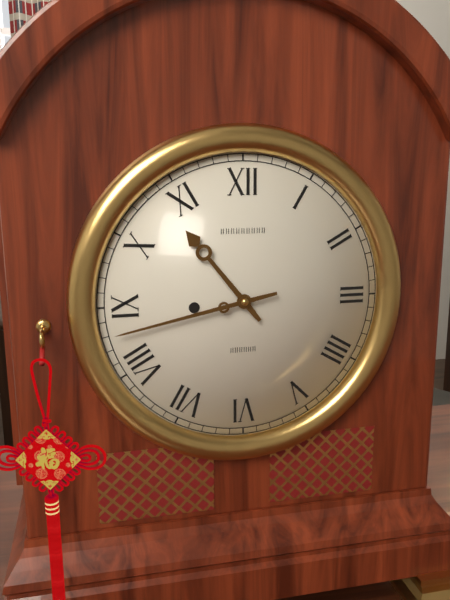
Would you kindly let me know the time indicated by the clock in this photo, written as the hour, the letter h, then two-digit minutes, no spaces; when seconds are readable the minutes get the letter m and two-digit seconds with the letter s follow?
10h43
